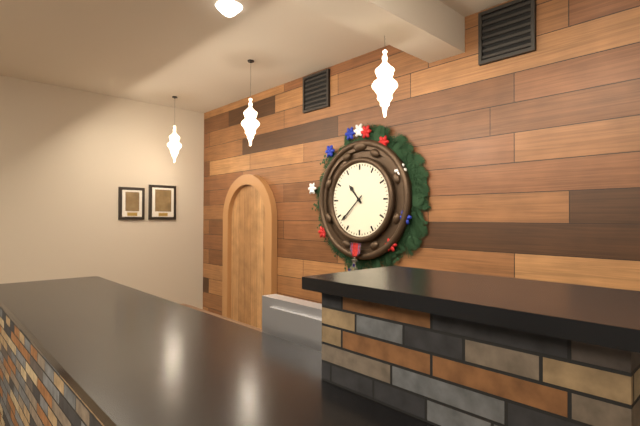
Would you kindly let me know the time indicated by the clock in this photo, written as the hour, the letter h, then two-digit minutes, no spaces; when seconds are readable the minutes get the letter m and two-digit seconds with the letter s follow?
10h38
